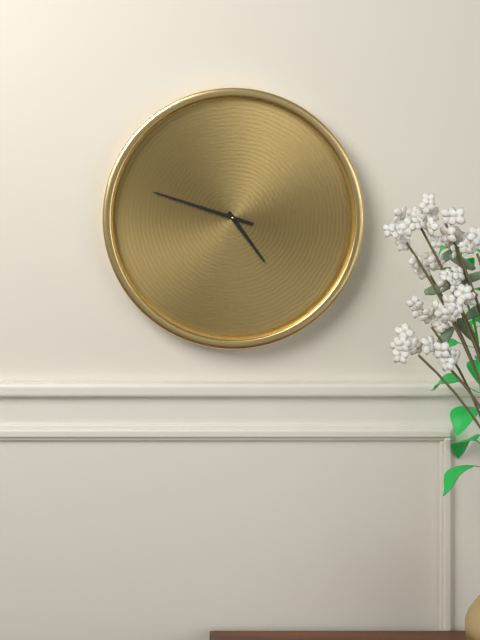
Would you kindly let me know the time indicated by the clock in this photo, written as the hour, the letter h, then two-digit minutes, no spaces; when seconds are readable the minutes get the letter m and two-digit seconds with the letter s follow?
4h48
